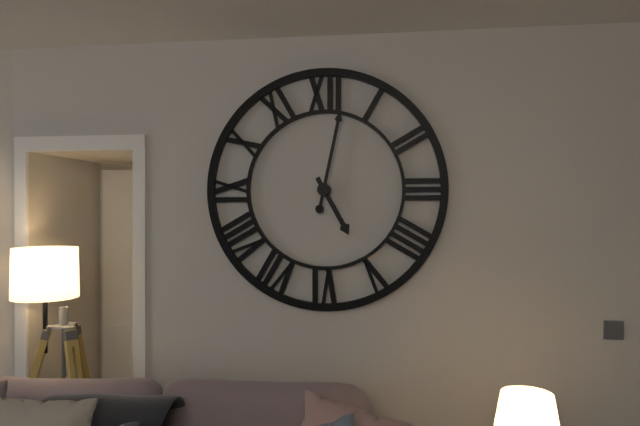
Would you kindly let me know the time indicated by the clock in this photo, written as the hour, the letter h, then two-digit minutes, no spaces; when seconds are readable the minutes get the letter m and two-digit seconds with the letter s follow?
5h02
